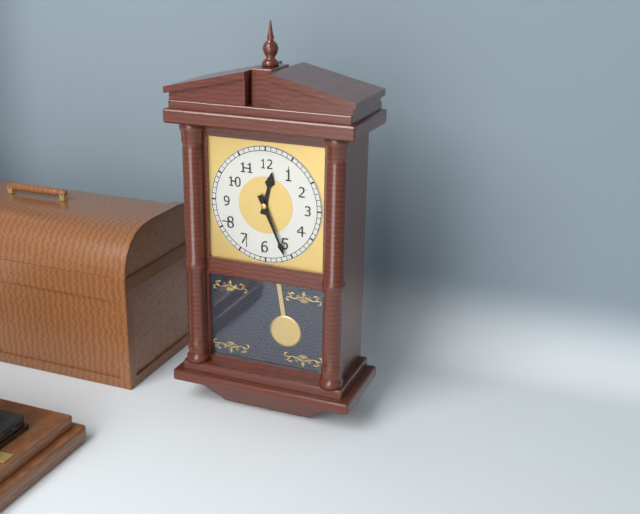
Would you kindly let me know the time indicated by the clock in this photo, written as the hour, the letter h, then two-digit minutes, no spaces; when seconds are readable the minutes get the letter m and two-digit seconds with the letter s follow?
12h26
